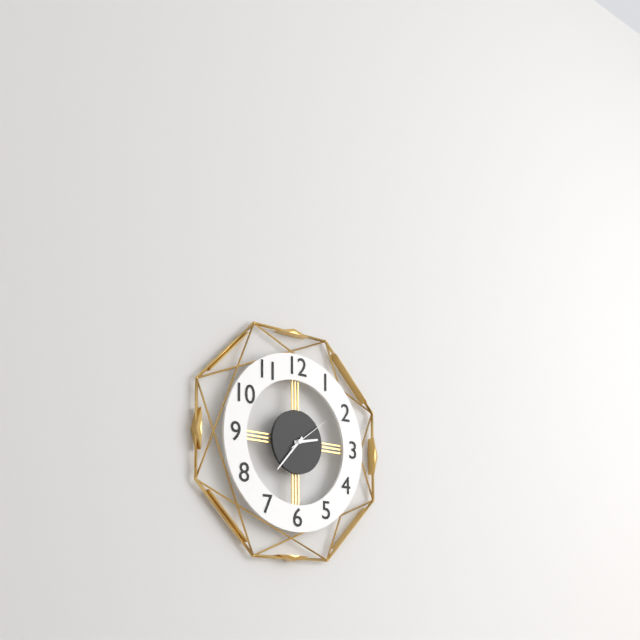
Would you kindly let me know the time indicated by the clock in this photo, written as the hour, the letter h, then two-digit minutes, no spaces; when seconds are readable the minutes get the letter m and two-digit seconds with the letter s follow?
2h37m09s
